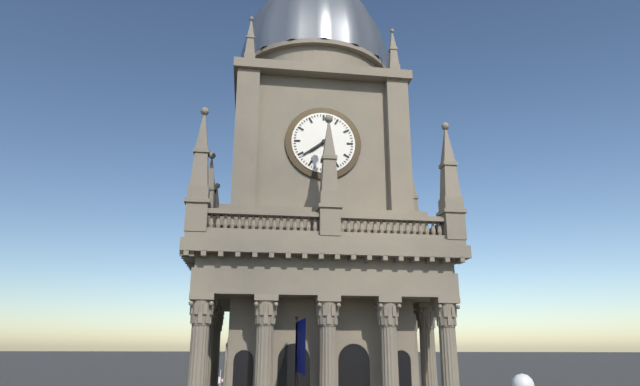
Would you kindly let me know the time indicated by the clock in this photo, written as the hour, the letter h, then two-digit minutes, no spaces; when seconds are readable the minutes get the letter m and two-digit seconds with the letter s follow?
7h39
